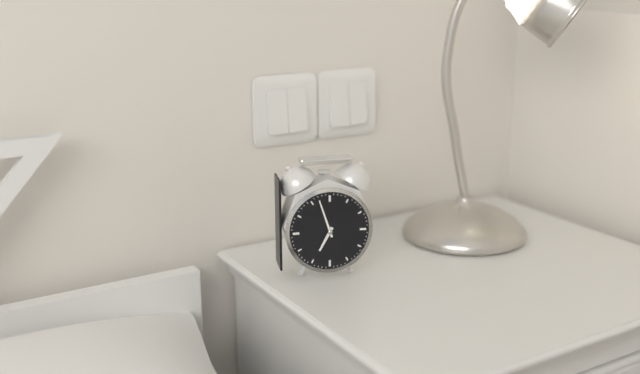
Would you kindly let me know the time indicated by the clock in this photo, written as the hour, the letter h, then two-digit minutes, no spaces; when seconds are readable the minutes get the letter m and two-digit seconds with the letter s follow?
6h57
